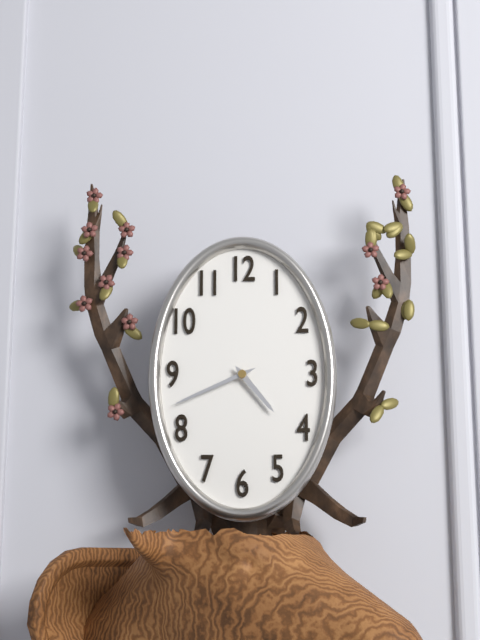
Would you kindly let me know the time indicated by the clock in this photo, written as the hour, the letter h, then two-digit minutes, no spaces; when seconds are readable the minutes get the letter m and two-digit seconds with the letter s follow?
4h41
